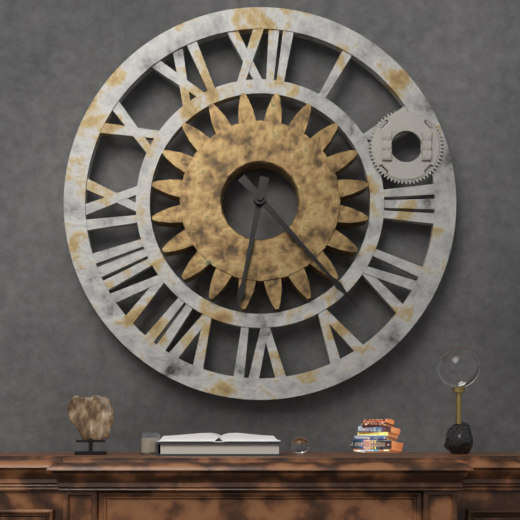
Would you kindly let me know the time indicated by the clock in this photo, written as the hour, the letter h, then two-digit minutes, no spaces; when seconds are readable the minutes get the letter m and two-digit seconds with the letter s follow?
6h23
